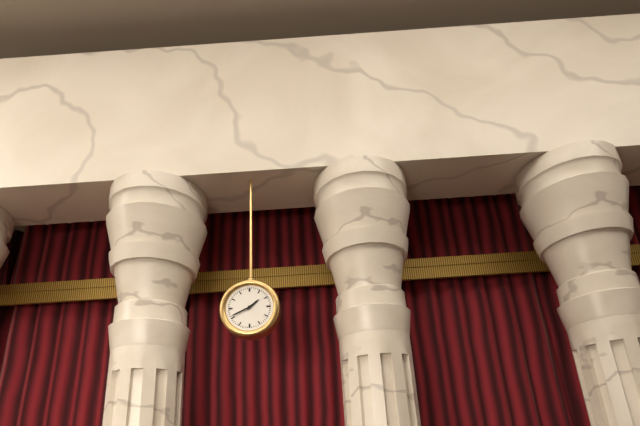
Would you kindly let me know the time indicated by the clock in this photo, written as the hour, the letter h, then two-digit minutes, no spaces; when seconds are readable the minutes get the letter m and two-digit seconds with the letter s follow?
1h41
